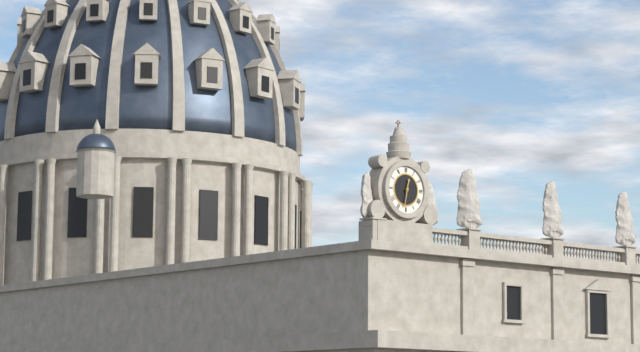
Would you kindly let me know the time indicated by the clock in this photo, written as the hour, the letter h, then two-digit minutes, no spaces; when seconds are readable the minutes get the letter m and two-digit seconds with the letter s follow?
12h32
